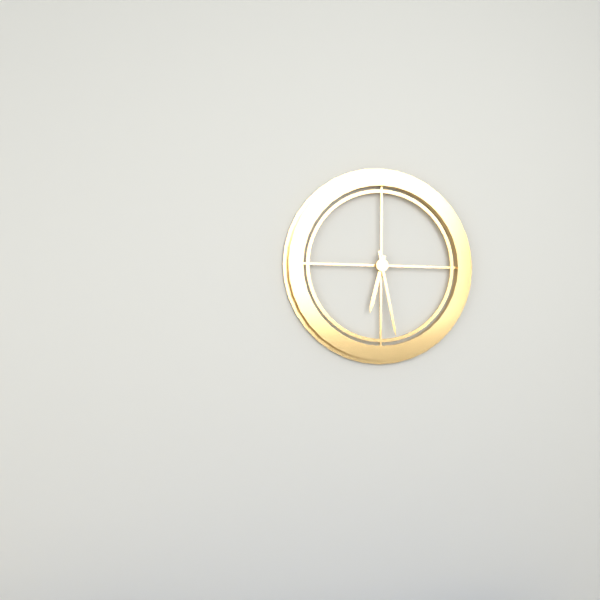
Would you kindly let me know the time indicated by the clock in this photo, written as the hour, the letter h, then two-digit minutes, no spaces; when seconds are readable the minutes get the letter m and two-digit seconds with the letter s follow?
6h28
